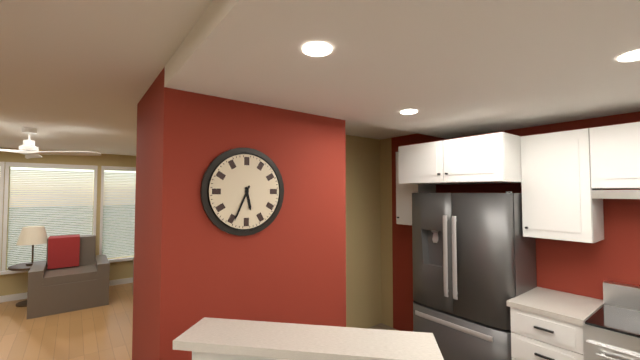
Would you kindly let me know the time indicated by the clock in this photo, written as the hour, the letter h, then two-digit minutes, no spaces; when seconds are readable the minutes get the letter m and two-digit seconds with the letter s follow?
5h34
